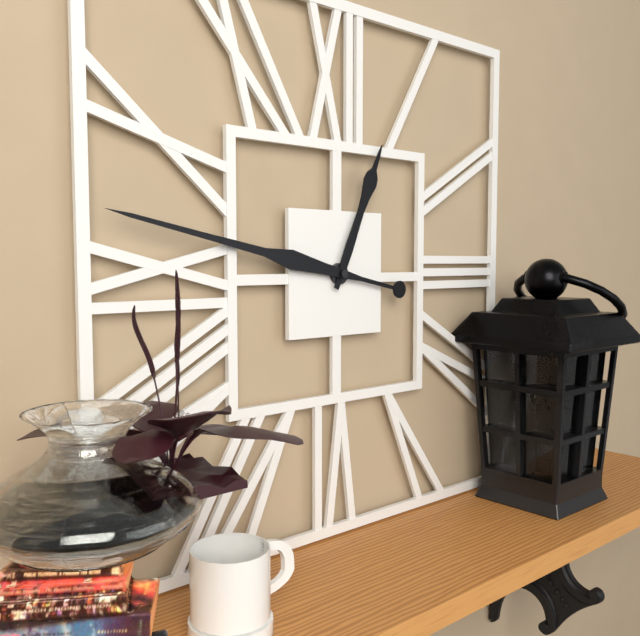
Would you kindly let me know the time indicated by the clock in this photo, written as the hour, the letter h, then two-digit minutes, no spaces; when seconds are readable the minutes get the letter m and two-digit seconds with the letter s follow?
12h47
